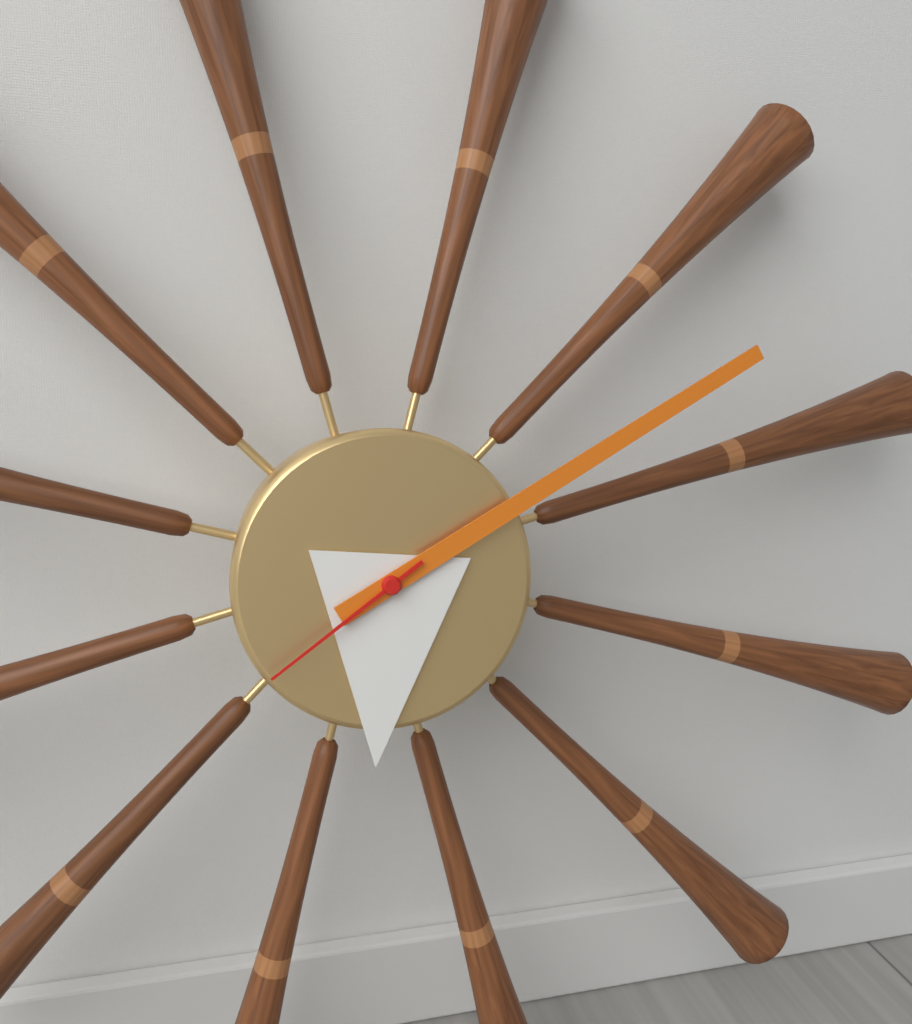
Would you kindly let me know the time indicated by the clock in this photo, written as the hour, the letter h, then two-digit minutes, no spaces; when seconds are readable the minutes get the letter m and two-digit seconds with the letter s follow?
6h10m39s
